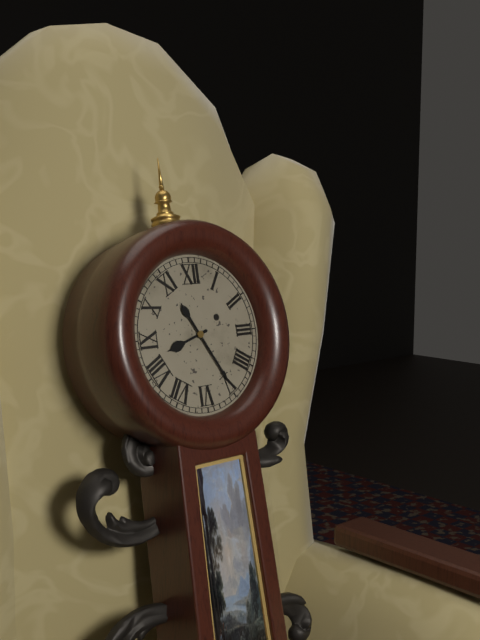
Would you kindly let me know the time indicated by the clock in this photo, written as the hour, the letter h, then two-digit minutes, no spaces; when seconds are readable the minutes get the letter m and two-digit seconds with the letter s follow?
8h25
